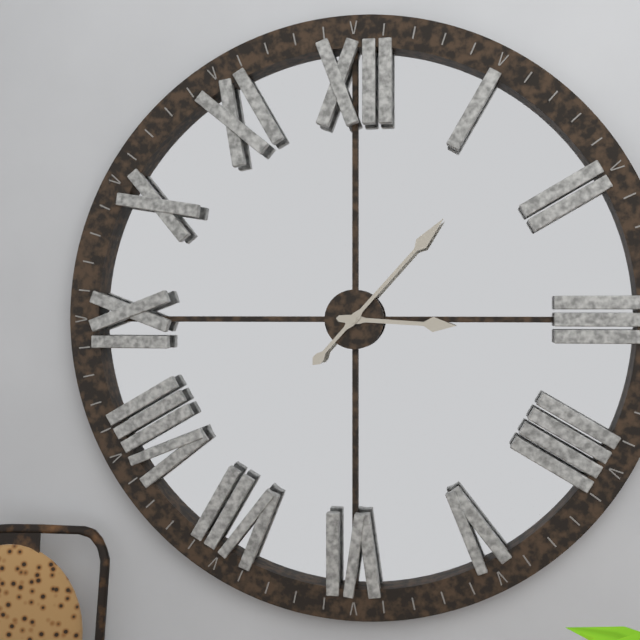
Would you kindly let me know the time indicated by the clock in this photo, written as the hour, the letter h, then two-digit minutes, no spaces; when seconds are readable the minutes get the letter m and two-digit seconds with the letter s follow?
3h07
